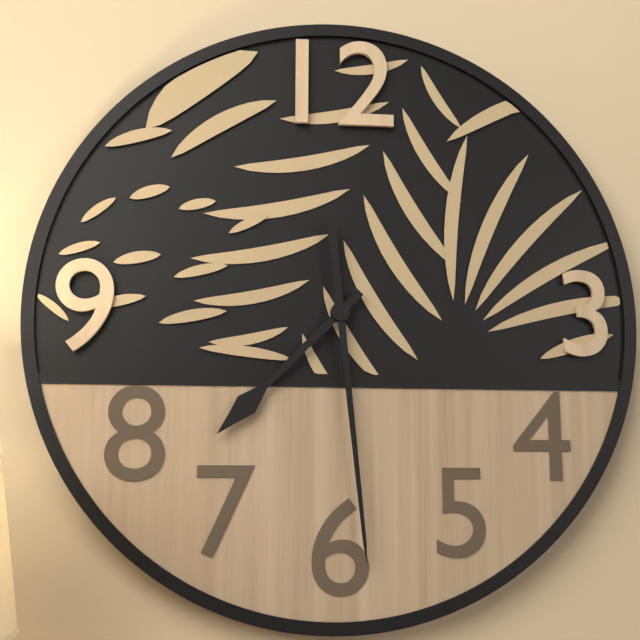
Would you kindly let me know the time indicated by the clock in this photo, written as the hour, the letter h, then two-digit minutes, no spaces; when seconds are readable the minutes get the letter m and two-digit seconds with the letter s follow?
7h29
